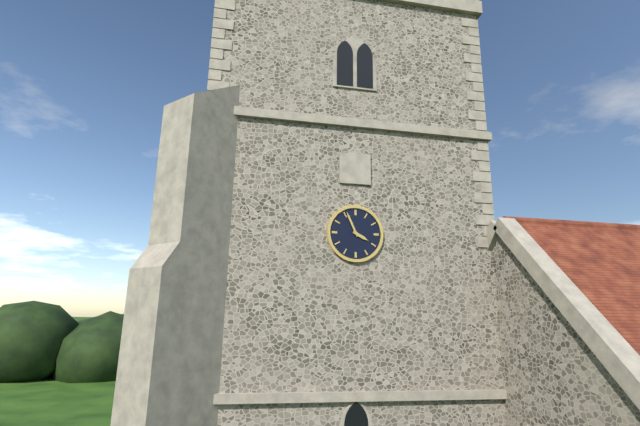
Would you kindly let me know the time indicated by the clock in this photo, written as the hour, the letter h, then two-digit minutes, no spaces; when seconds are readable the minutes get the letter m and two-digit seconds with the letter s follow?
3h56
